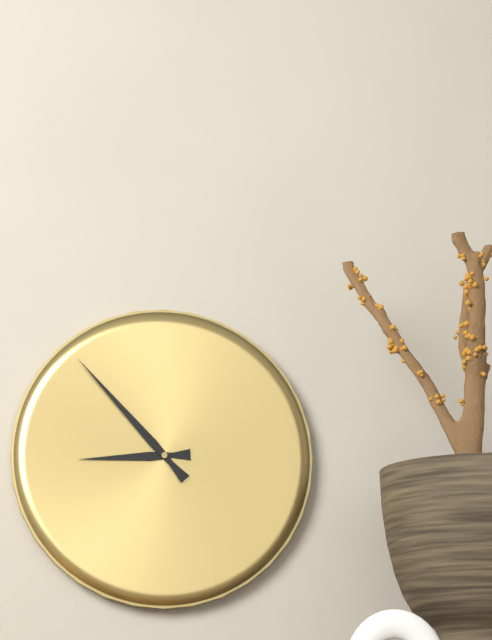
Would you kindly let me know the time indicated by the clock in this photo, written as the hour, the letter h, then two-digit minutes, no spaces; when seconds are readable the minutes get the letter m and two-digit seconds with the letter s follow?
8h53
